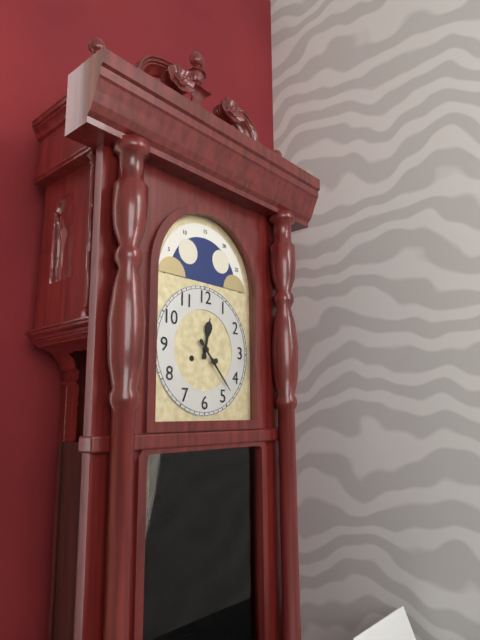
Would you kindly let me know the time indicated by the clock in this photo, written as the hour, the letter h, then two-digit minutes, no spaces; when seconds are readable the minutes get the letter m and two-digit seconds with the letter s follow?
12h23
